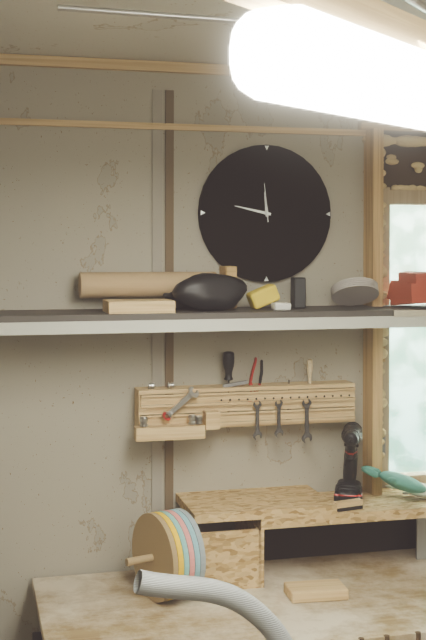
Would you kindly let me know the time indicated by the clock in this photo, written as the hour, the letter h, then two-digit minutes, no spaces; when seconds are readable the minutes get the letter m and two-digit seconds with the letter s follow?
11h47
